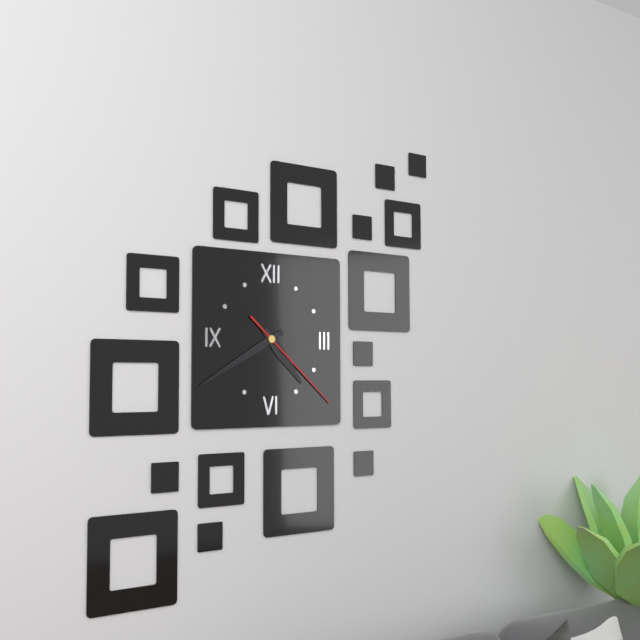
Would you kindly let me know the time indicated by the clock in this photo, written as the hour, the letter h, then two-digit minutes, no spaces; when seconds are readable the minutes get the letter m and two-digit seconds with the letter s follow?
4h40m22s
